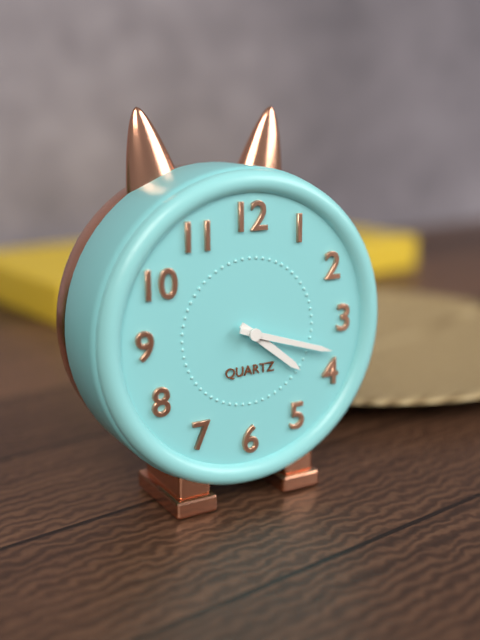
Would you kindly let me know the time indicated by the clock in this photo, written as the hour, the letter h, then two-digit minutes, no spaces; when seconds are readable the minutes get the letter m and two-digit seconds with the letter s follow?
4h18
